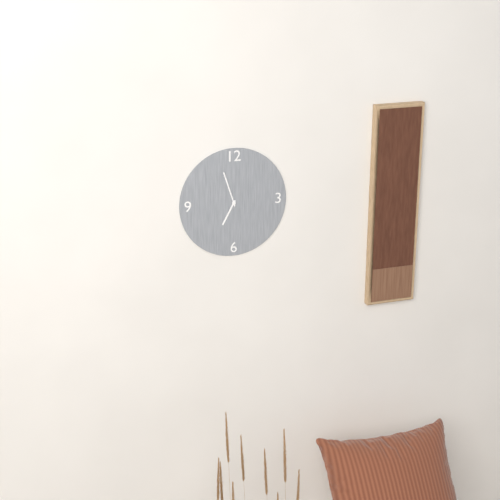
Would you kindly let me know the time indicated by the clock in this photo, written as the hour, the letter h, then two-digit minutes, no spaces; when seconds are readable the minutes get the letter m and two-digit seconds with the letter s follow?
6h57
